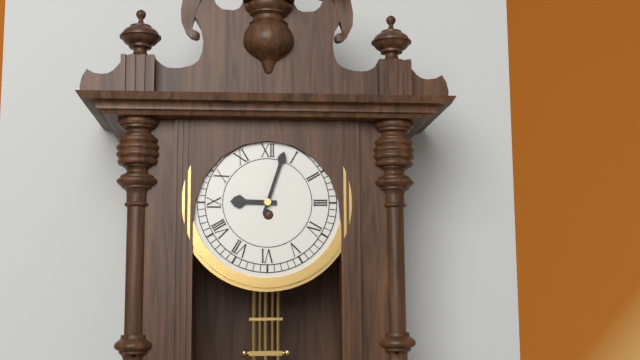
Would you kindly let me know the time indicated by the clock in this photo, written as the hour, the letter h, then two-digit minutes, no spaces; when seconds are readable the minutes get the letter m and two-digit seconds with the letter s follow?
9h03
